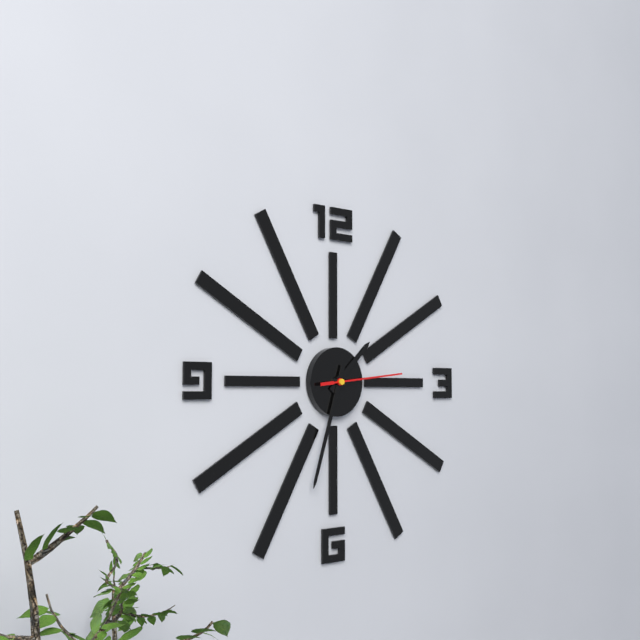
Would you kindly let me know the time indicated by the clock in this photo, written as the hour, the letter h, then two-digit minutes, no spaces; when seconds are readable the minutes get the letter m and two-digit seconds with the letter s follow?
1h33m14s
